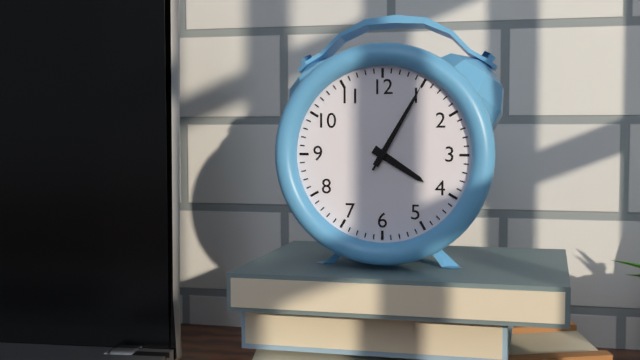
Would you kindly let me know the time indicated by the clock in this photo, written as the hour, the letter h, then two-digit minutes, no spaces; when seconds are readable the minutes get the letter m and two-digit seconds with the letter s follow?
4h05m05s
